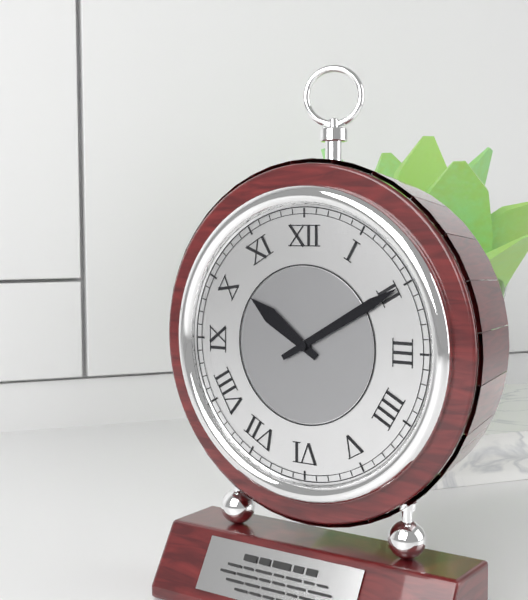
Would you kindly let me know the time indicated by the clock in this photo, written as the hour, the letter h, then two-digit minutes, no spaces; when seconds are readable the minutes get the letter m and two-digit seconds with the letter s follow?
10h10
